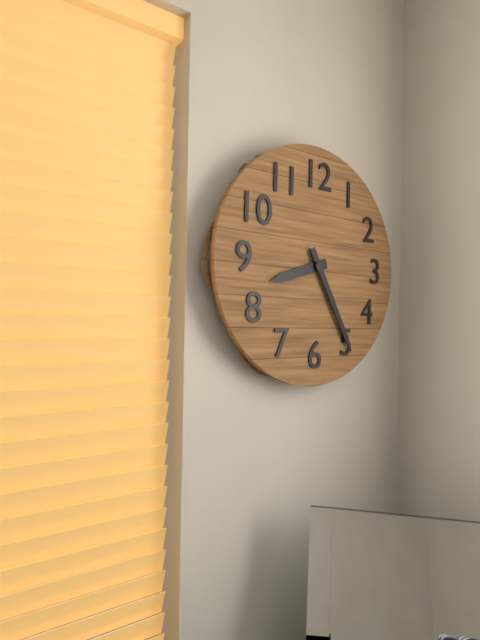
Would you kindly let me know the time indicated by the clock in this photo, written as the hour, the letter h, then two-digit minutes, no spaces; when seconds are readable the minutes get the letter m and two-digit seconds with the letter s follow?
8h25
